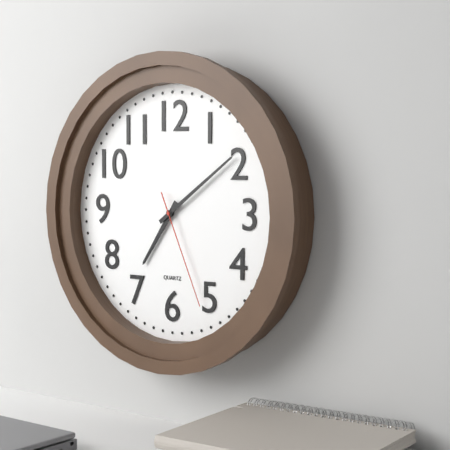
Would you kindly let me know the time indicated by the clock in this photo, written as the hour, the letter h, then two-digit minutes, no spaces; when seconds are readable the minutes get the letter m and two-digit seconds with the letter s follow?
7h09m26s
